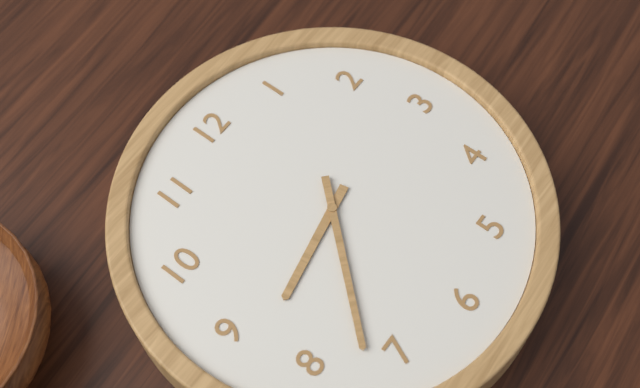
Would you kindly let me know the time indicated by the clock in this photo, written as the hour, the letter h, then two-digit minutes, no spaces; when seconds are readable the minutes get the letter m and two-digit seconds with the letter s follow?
8h37
